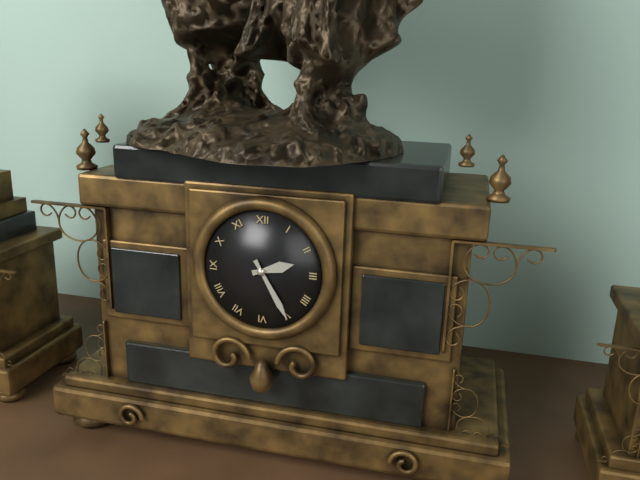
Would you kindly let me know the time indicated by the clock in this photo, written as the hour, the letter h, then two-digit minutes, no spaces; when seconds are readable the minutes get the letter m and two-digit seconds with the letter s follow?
2h25
